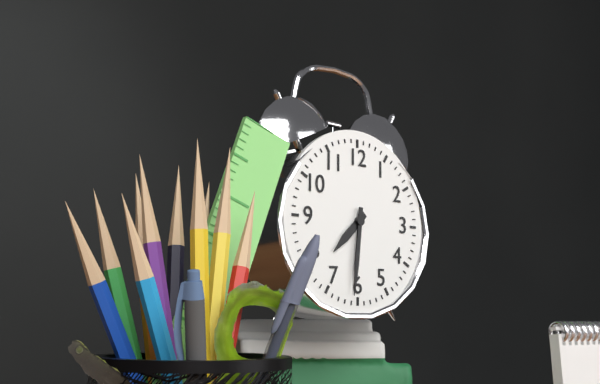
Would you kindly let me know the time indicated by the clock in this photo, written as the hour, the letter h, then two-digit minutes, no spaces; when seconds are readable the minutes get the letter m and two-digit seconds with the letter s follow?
7h31
